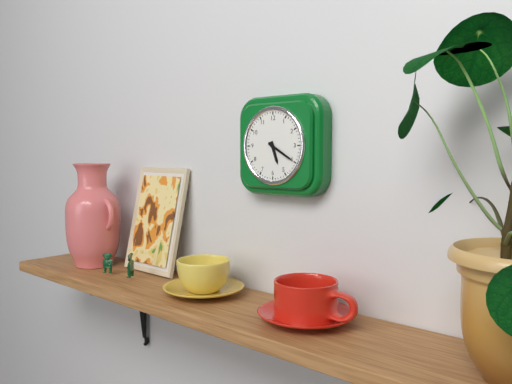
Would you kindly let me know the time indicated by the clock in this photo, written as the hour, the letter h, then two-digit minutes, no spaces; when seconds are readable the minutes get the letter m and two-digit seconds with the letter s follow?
5h20
